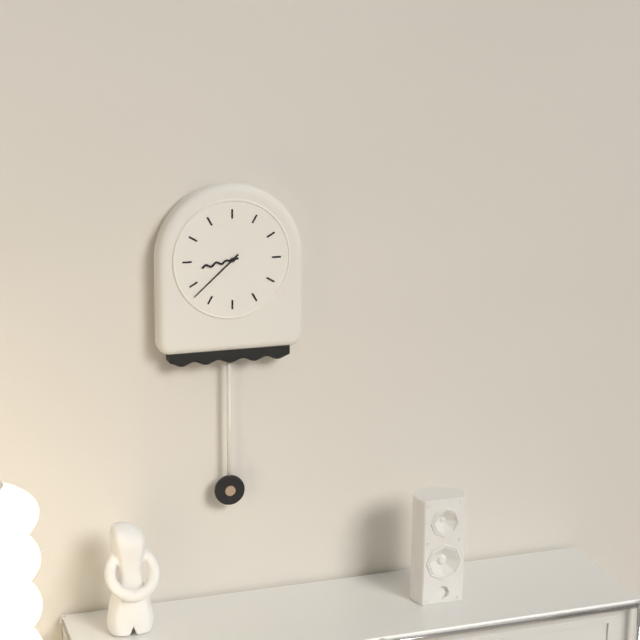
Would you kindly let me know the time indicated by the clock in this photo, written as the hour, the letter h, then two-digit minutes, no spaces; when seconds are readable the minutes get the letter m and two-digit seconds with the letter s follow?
8h38
